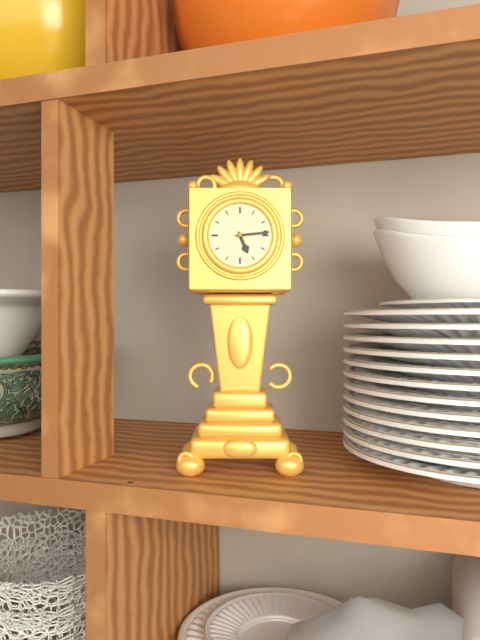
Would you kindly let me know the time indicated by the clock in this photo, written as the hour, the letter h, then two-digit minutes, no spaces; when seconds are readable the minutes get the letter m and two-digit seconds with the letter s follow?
5h14
